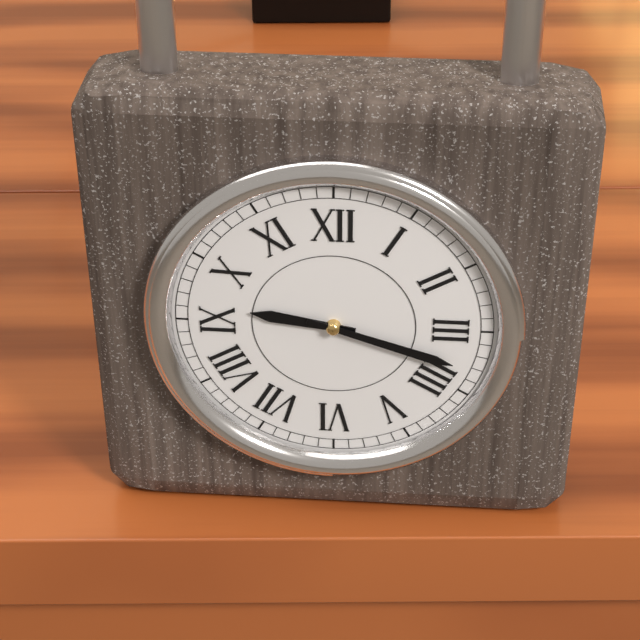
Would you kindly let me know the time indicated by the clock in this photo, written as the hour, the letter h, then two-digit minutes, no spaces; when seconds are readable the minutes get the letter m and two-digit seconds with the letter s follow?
9h18
